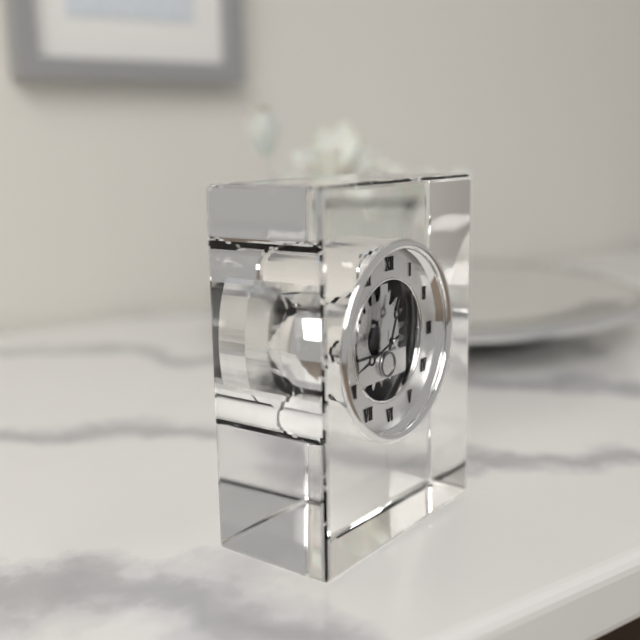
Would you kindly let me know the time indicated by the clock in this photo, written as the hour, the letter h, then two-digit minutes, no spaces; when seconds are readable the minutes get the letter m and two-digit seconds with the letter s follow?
12h42
